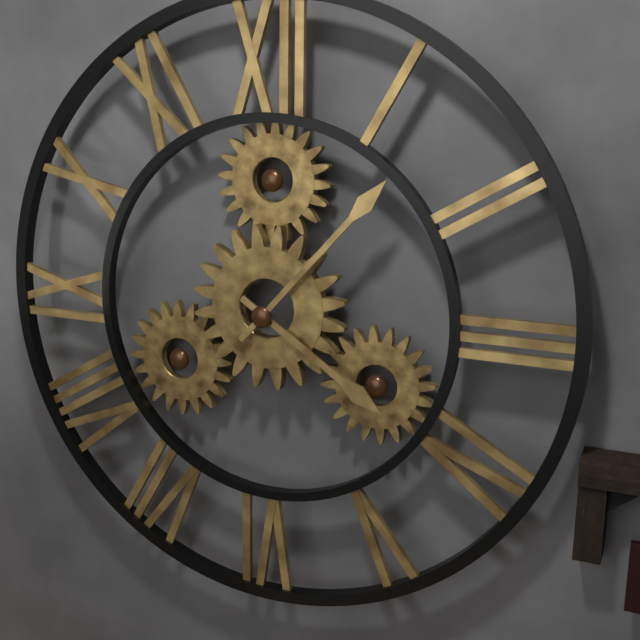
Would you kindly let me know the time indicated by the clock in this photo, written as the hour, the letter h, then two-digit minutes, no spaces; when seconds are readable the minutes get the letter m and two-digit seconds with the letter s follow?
4h07
